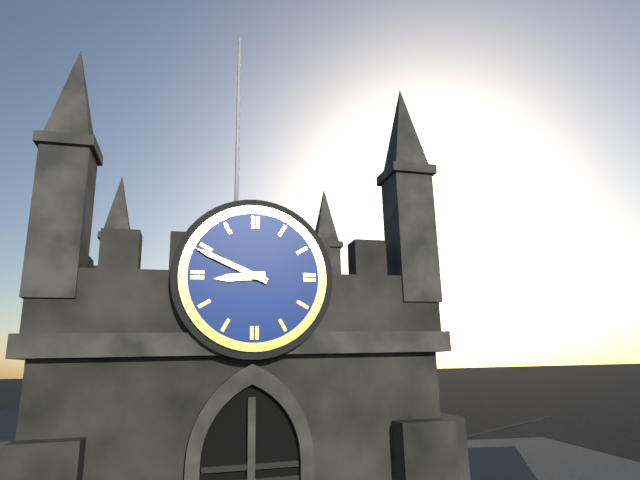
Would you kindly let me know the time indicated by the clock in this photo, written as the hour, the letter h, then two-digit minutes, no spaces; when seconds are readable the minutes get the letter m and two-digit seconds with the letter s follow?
8h49
